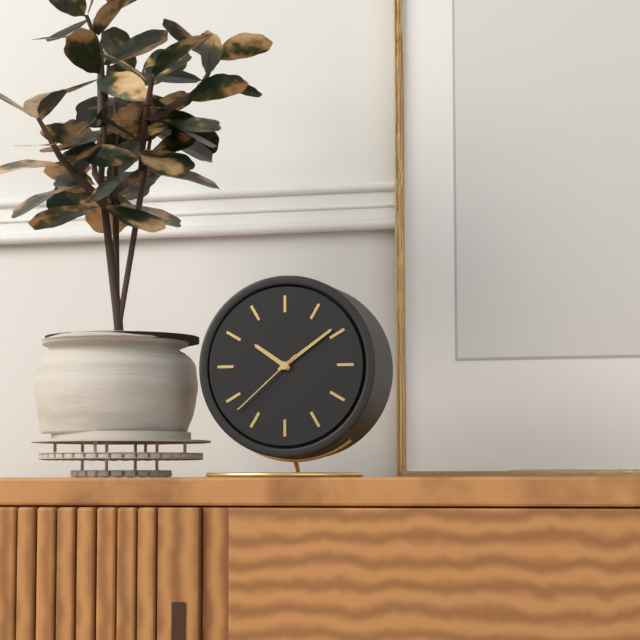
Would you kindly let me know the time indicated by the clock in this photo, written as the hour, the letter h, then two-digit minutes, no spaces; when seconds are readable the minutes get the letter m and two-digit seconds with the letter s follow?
10h09m38s
